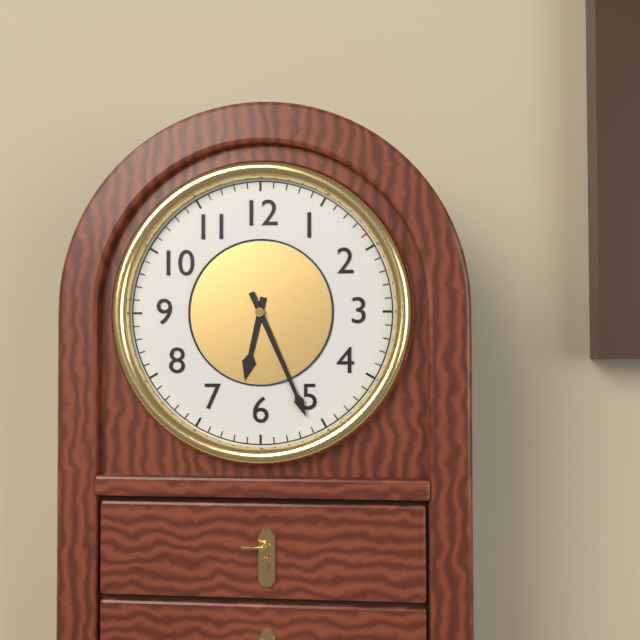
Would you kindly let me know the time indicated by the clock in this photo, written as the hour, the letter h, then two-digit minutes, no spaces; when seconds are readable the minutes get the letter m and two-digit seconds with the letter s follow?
6h26
